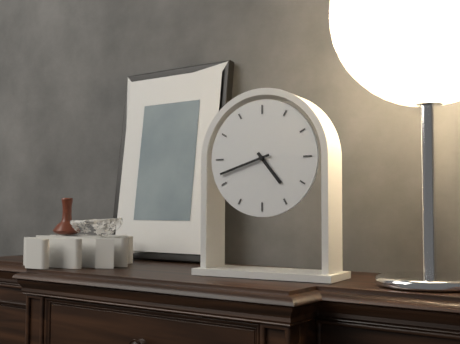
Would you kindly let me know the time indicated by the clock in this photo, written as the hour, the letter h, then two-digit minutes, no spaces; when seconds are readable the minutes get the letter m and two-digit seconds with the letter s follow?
4h42
